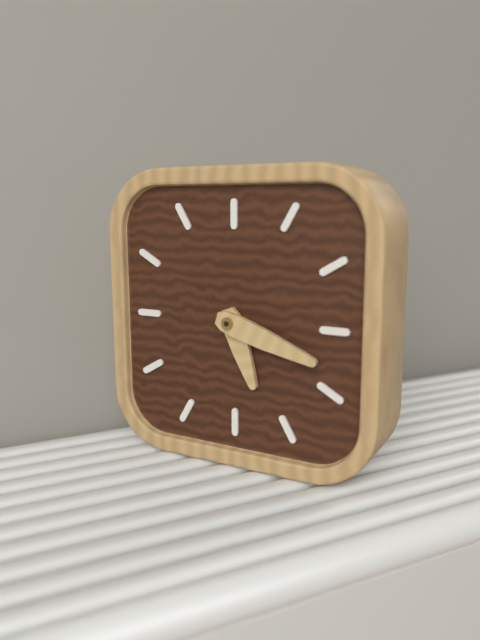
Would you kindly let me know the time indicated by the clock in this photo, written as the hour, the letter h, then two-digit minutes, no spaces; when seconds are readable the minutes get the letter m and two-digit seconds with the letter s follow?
5h18
